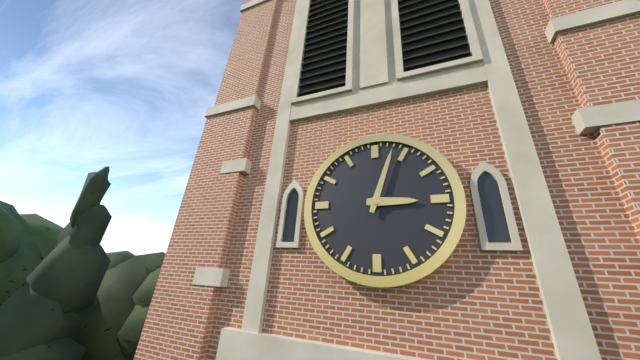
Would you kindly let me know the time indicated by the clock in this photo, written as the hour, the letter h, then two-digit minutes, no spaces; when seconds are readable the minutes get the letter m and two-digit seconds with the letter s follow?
3h03
